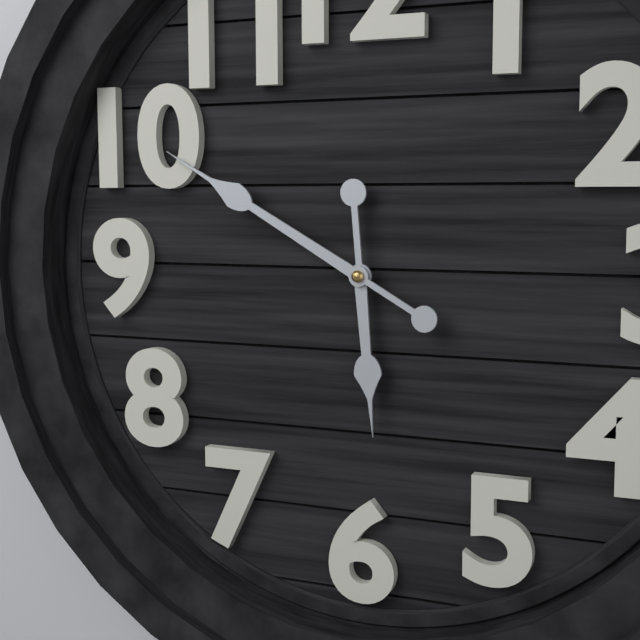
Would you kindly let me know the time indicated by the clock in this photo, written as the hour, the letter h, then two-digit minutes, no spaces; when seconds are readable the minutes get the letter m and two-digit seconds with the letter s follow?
5h50
